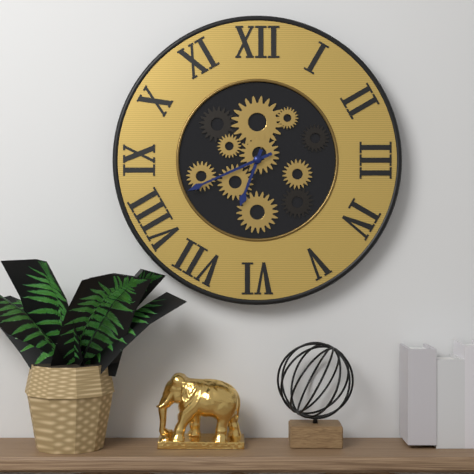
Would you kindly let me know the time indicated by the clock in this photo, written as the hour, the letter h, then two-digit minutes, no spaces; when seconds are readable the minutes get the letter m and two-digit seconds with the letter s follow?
6h41
